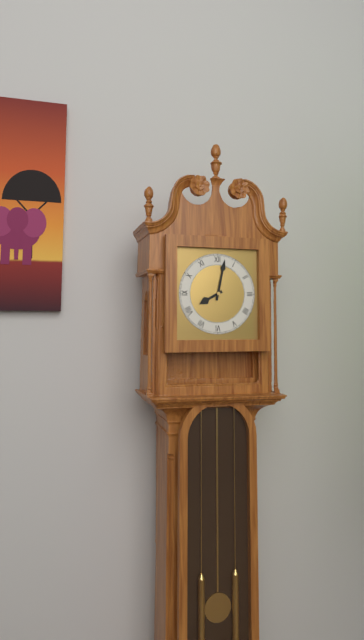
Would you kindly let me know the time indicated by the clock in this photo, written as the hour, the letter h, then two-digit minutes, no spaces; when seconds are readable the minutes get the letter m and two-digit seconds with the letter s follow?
8h02
